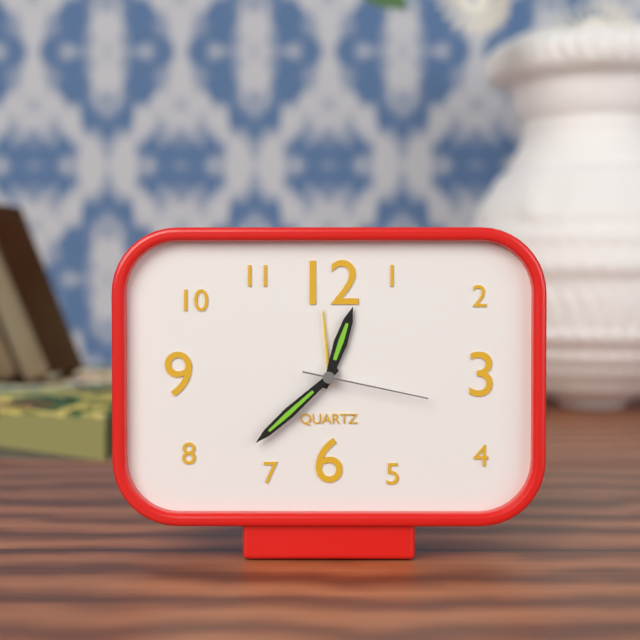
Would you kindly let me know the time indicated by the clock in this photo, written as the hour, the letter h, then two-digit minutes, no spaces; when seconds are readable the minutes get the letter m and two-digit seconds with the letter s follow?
12h38m17s
